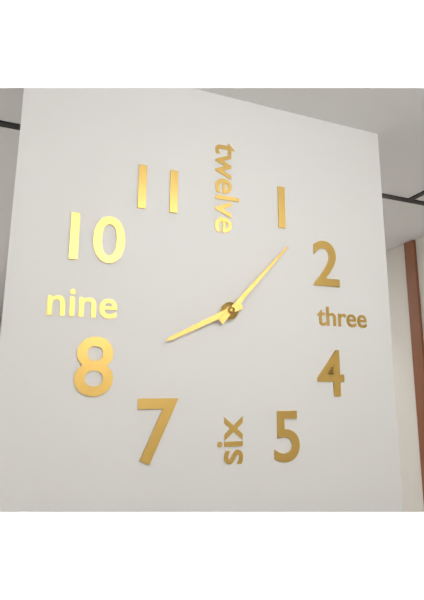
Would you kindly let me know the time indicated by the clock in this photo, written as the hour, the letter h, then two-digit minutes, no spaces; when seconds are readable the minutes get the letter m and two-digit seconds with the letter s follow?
8h07
